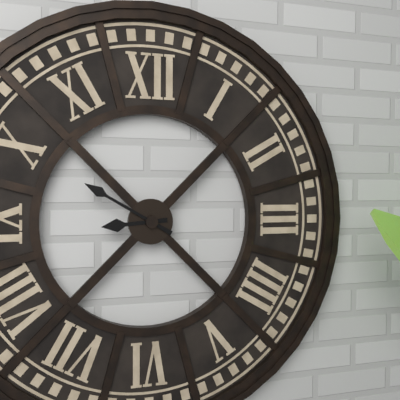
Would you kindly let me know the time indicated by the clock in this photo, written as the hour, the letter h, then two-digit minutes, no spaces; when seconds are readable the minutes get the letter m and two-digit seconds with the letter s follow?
8h50
